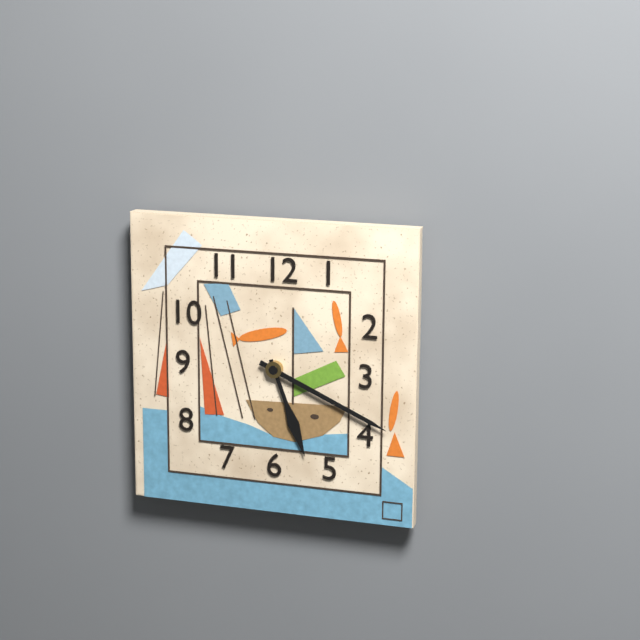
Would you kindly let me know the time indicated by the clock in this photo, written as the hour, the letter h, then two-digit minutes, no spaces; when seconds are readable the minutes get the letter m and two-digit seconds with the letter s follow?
5h19
